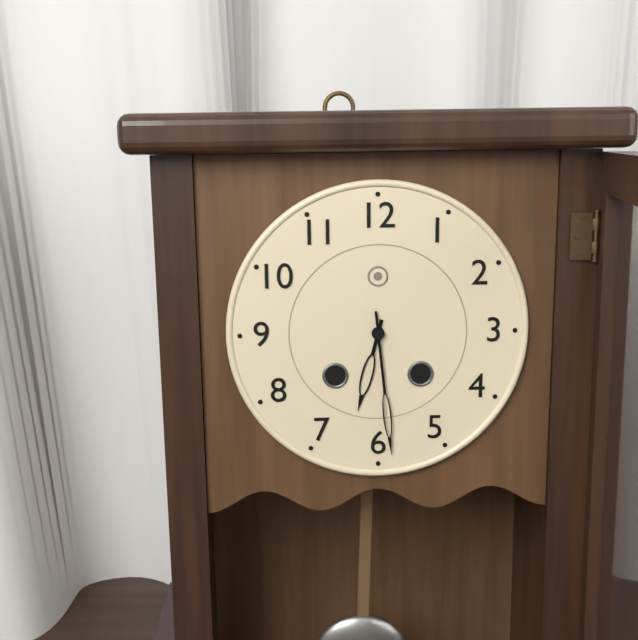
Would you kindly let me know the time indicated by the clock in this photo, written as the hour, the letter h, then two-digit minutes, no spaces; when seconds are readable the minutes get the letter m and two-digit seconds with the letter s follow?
6h29
